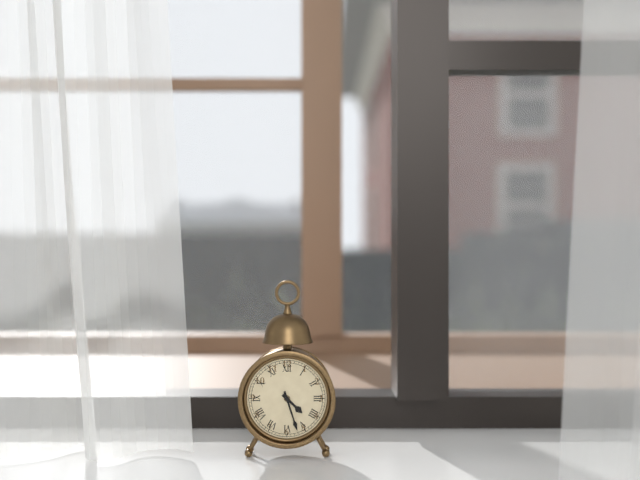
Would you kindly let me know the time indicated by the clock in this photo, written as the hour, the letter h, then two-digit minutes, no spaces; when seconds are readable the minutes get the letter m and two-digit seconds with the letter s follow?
4h27
